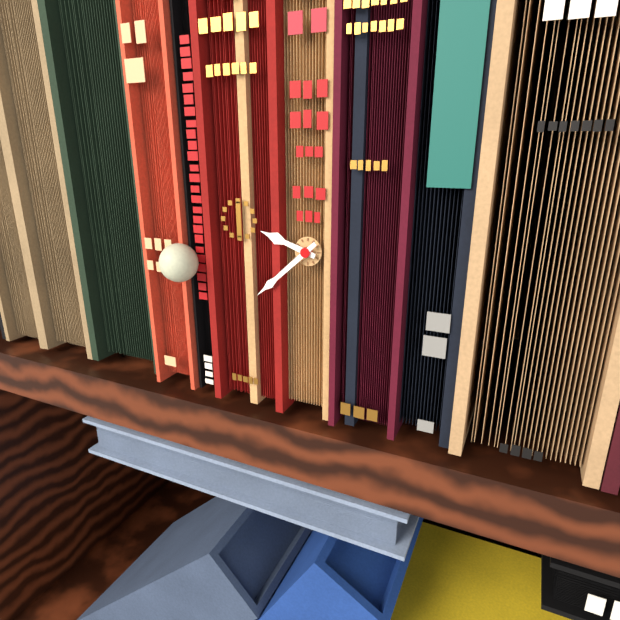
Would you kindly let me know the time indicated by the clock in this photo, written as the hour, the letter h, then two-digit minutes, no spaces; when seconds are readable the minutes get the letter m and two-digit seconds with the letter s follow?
9h38
